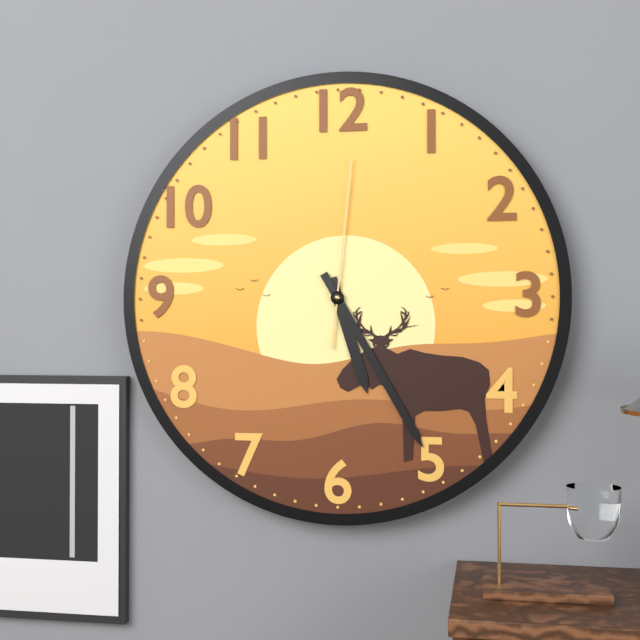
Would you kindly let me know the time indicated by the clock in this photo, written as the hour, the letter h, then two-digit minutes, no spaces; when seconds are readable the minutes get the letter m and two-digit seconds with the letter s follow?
5h25m01s
